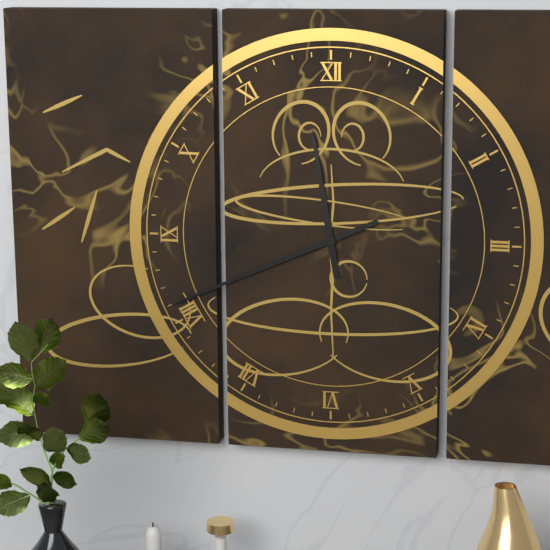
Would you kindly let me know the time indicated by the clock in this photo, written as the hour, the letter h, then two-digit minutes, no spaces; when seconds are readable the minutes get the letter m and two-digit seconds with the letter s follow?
11h41
